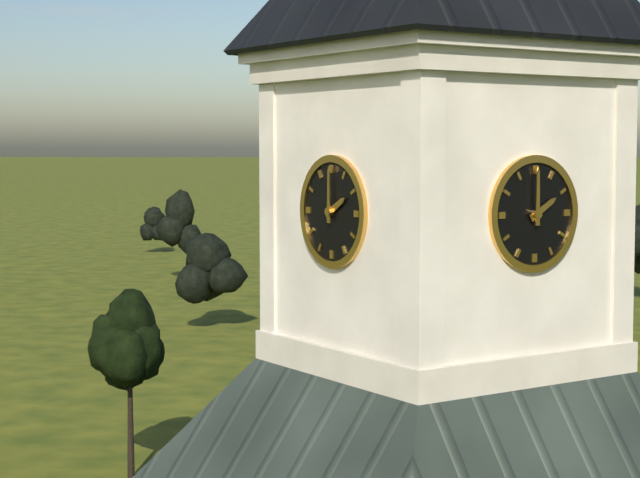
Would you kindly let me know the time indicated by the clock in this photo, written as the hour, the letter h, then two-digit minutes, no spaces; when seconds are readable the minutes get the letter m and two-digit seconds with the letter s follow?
2h00
